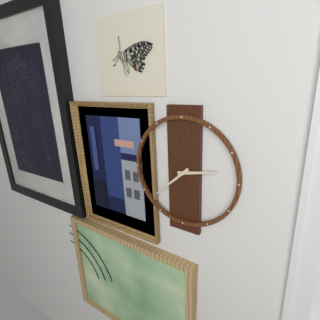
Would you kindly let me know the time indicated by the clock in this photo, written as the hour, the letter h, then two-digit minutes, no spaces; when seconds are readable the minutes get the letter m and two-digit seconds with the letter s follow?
2h38
